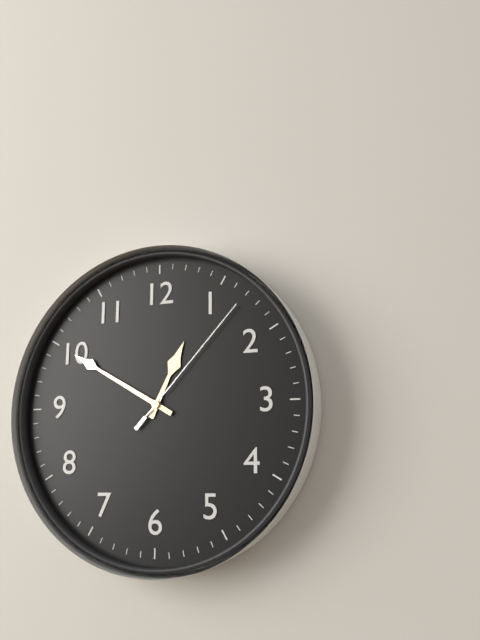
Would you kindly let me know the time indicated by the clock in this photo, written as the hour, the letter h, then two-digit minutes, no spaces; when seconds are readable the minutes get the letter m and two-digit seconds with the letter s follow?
12h50m07s
